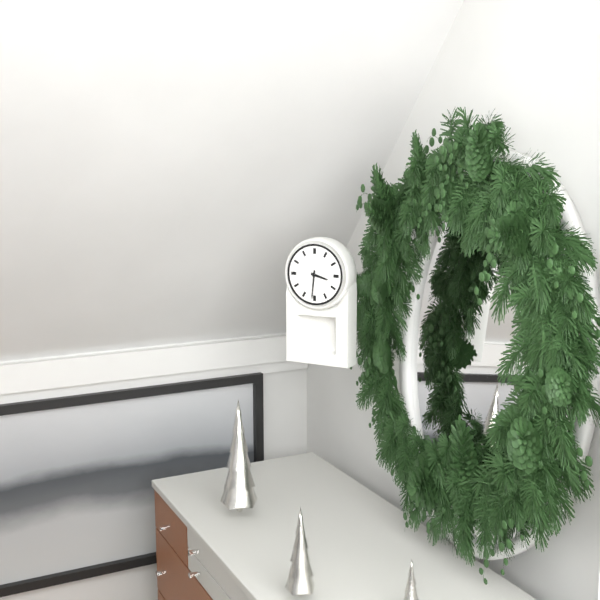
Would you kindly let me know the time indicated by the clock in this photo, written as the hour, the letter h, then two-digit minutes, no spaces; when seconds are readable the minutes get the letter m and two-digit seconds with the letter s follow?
3h31
